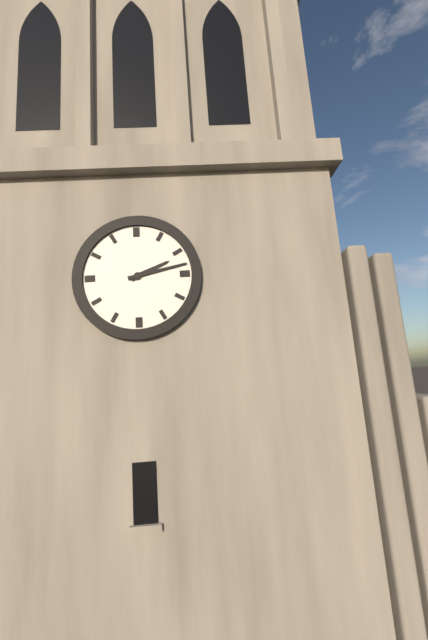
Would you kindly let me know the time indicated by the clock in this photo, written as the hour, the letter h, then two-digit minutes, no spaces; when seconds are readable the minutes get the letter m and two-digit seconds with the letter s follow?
2h13
